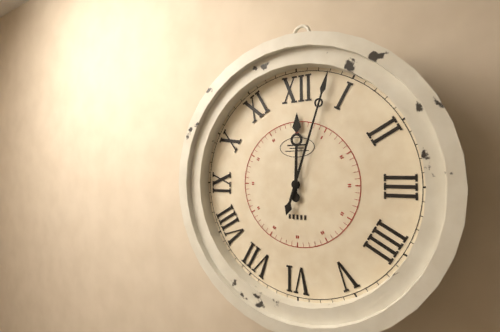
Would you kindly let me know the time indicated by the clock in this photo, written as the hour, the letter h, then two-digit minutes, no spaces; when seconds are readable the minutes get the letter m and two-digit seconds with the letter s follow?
12h03
